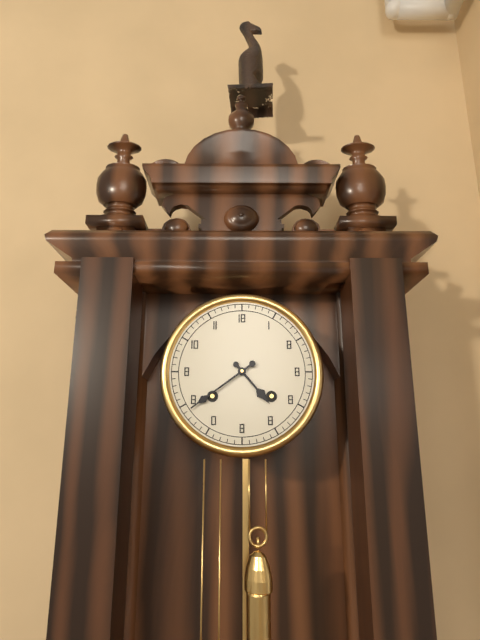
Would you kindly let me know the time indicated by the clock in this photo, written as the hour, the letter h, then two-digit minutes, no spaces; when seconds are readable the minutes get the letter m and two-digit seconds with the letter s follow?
4h39
